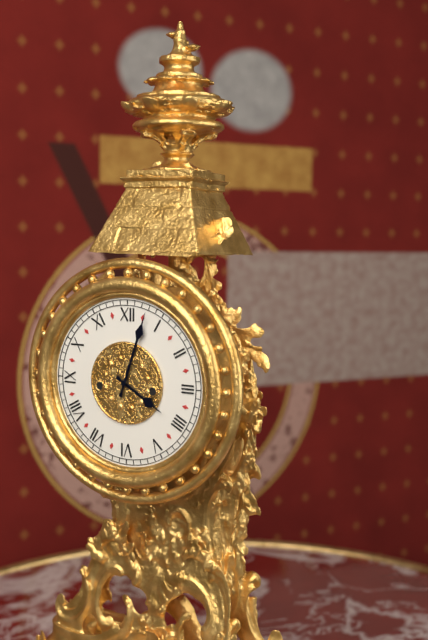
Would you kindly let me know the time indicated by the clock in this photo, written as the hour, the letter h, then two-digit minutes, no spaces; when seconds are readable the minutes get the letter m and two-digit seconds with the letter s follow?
4h03
